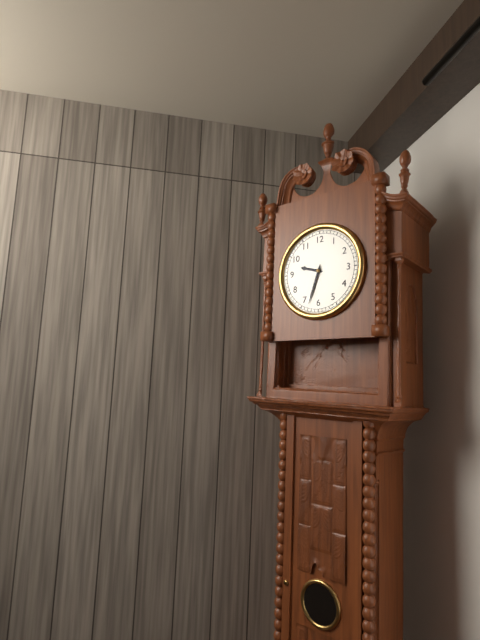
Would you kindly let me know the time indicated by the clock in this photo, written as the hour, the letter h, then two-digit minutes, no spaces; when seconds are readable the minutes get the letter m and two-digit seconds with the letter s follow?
9h33
